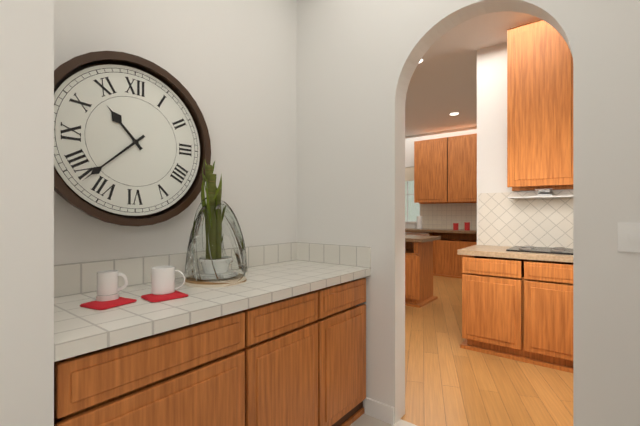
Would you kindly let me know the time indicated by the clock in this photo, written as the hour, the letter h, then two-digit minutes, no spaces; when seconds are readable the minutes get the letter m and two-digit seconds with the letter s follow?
10h38
